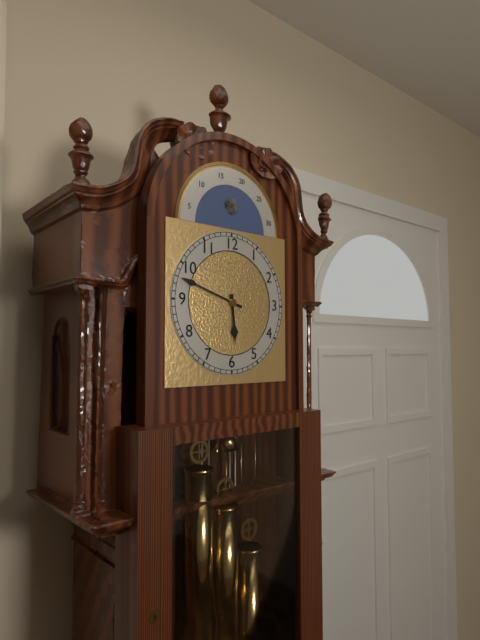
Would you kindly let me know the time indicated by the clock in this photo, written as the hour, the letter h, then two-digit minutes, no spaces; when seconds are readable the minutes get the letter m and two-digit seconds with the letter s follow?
5h48
